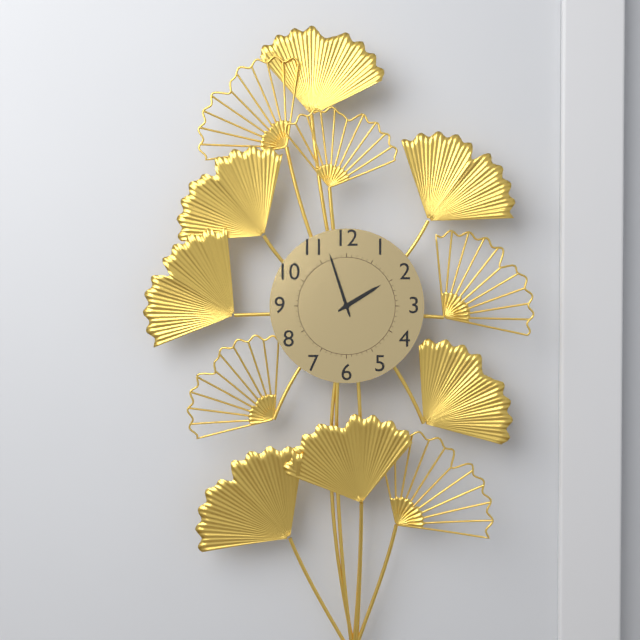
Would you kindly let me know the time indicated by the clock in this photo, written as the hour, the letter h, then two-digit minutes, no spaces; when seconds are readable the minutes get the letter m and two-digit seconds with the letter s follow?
1h57
